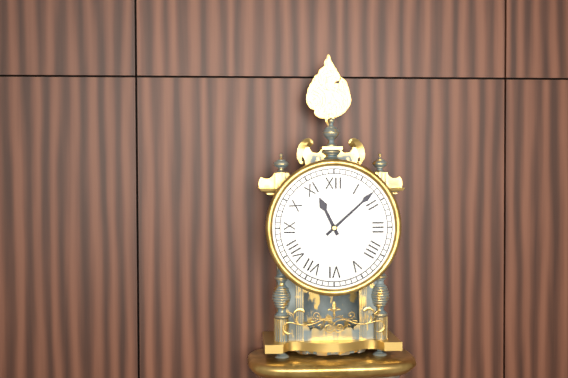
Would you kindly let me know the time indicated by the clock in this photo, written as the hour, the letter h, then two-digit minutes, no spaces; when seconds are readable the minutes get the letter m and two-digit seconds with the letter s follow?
11h08
